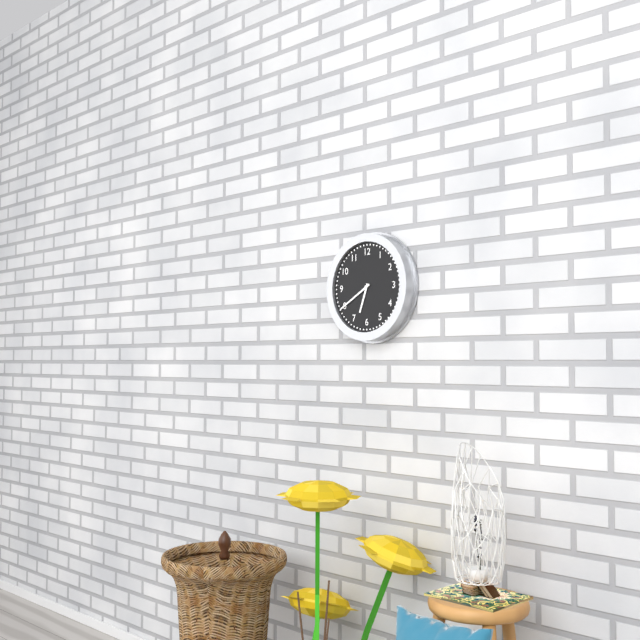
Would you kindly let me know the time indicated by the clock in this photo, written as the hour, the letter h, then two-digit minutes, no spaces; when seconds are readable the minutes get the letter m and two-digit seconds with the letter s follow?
6h40
